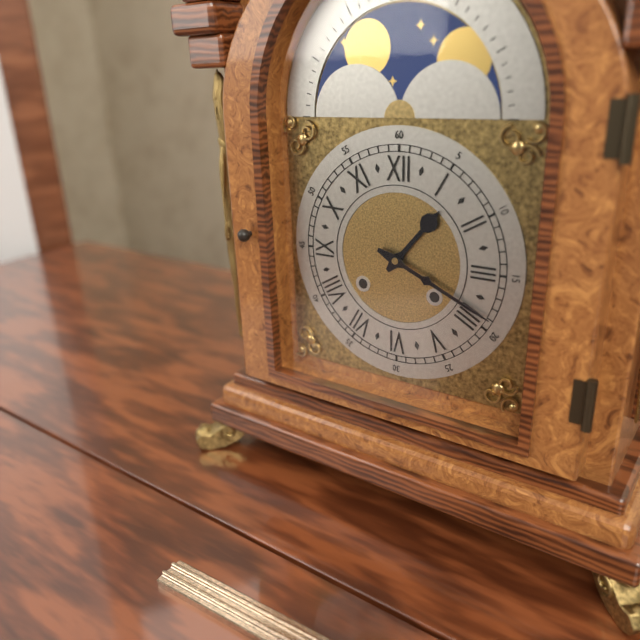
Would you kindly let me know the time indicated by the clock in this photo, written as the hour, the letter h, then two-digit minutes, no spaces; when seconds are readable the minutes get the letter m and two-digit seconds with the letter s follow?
1h19
